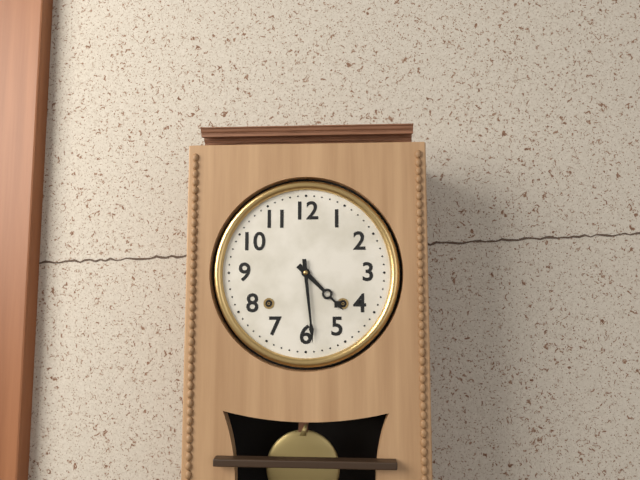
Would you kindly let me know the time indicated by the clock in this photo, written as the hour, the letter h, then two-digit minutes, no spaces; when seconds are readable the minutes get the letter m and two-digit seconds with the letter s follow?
4h29
